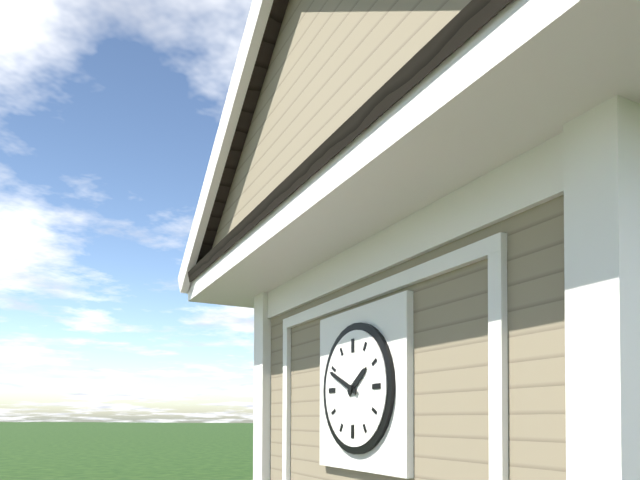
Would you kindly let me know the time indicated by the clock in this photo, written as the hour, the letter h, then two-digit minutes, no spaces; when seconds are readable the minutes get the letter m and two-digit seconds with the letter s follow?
1h49
